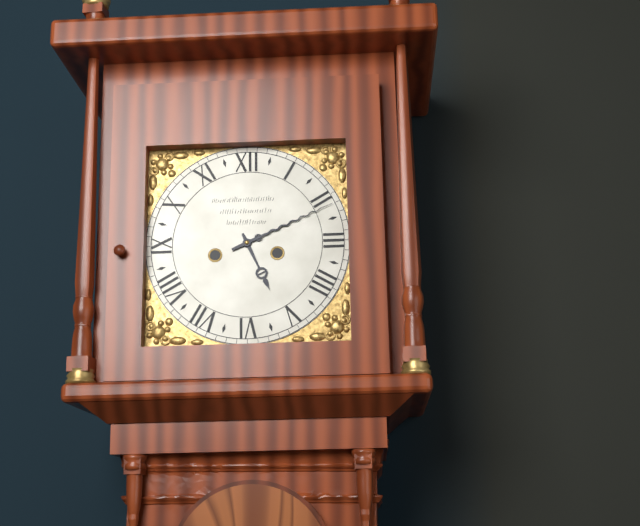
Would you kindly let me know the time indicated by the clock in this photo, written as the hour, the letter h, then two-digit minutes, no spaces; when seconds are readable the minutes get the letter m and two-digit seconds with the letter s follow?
5h11
